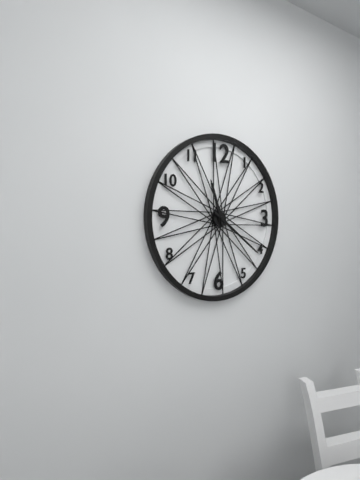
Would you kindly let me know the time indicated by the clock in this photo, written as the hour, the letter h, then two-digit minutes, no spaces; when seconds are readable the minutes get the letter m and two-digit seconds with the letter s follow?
11h21
